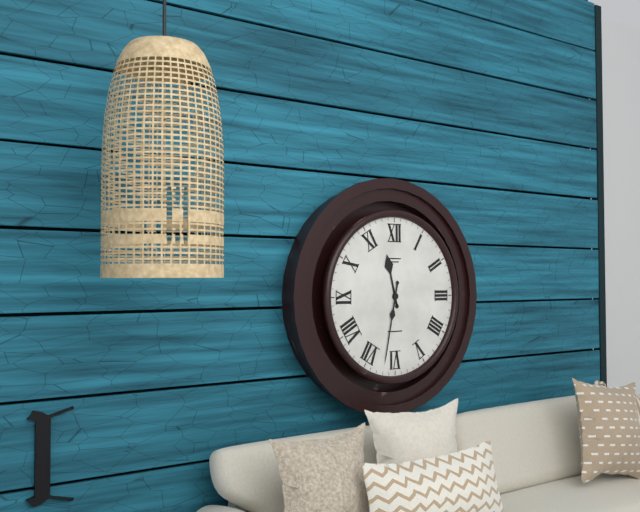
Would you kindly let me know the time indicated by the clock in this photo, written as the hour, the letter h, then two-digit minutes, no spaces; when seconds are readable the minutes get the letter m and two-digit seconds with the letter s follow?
11h32
